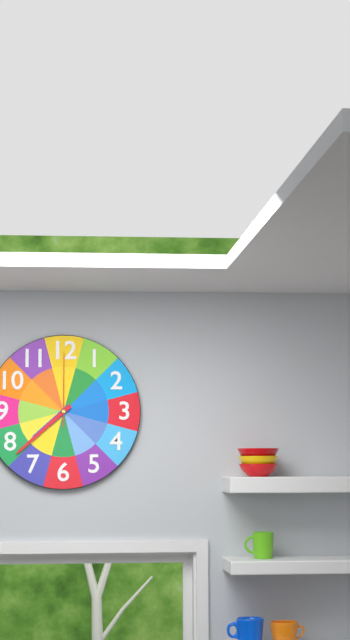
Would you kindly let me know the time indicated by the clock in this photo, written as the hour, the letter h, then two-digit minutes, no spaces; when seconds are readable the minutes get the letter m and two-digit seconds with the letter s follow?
7h38m00s
